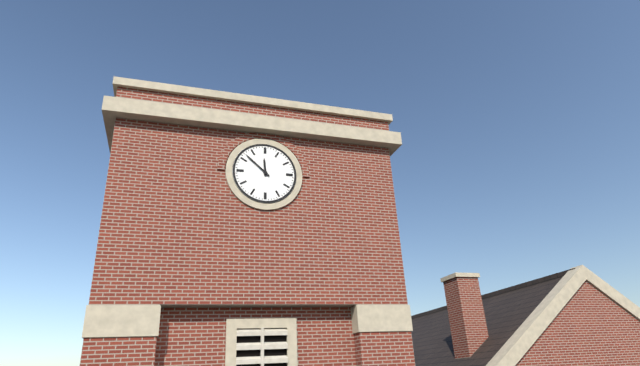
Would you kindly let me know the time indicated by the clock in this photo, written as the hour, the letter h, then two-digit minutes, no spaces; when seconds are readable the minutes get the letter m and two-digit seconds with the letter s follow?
11h52
